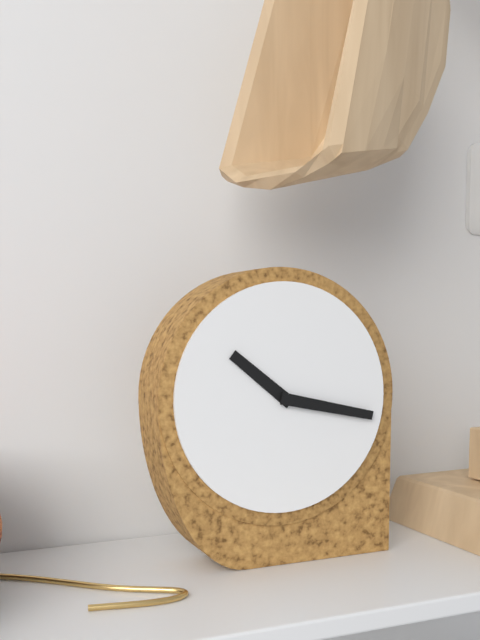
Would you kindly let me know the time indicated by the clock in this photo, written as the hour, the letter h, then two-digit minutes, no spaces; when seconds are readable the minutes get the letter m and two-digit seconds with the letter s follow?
10h17
